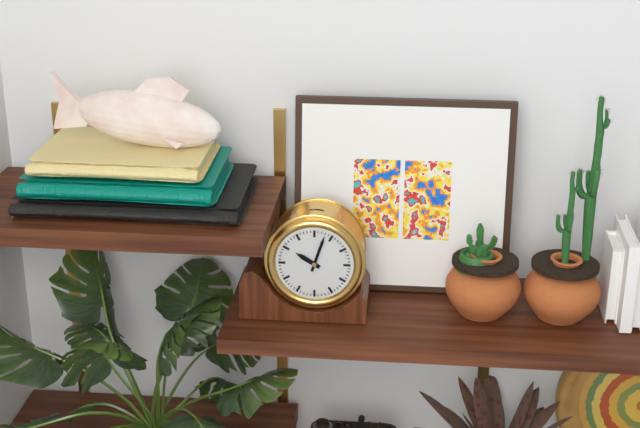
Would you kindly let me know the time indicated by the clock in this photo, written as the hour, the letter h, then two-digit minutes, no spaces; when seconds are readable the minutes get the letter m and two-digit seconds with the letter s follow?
10h03
